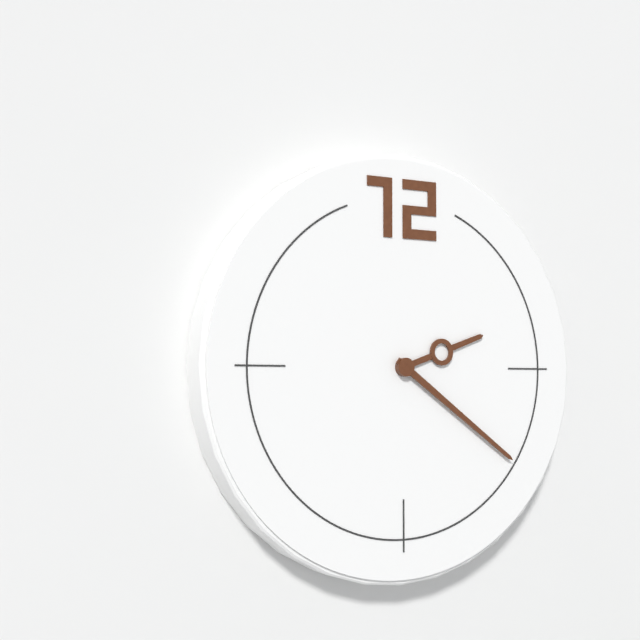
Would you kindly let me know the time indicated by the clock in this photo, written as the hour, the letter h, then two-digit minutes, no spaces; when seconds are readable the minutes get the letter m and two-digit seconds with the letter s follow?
2h21
